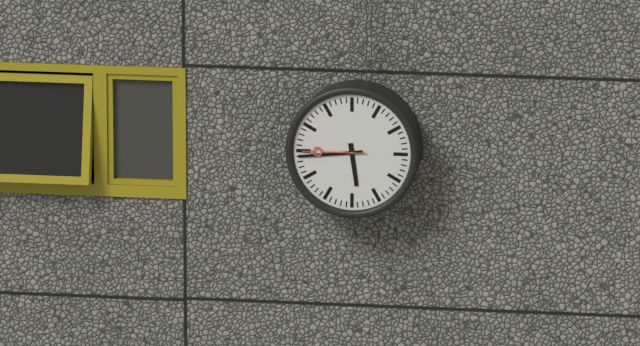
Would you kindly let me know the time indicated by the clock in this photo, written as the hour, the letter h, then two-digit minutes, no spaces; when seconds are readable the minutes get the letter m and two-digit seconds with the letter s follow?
5h44m45s
